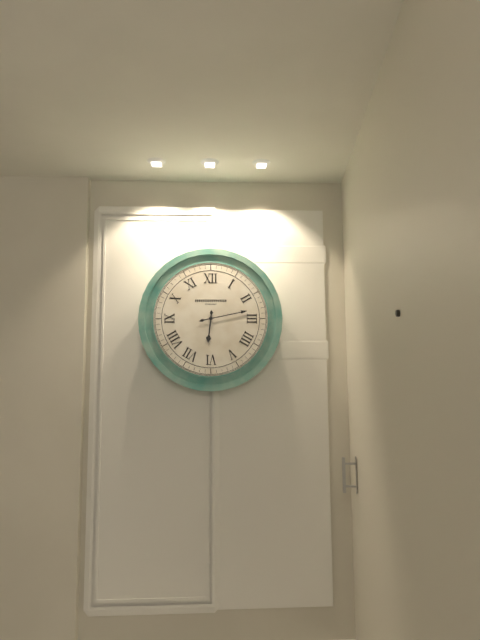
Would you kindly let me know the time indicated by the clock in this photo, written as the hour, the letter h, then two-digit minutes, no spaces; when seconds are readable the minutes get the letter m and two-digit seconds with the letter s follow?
6h13
